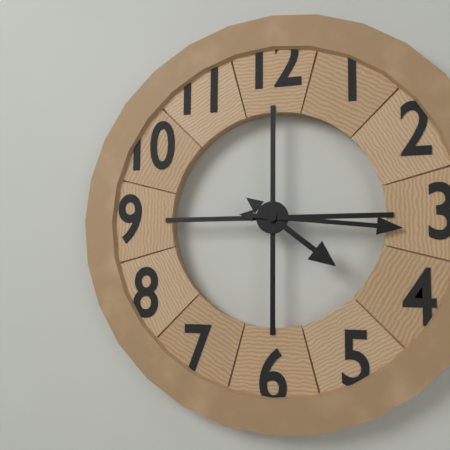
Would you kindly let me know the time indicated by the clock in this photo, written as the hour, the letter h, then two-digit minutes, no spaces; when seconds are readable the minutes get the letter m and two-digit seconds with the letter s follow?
4h16
